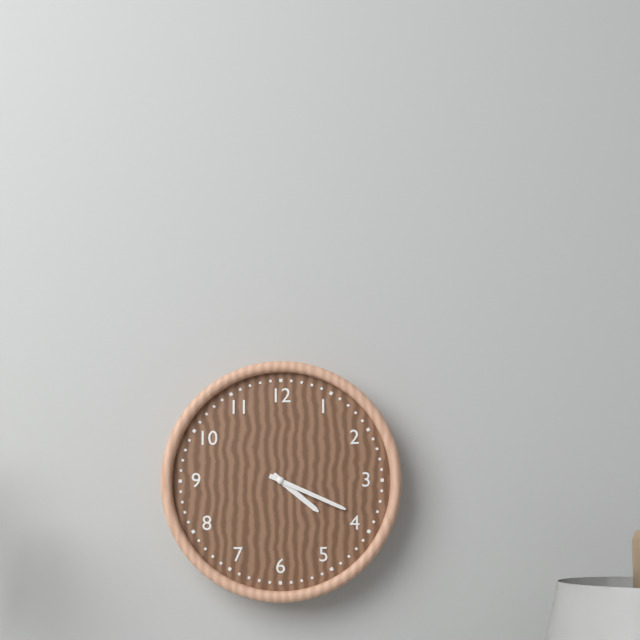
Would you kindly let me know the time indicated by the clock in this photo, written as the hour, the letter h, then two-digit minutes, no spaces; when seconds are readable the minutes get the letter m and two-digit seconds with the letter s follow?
4h19
